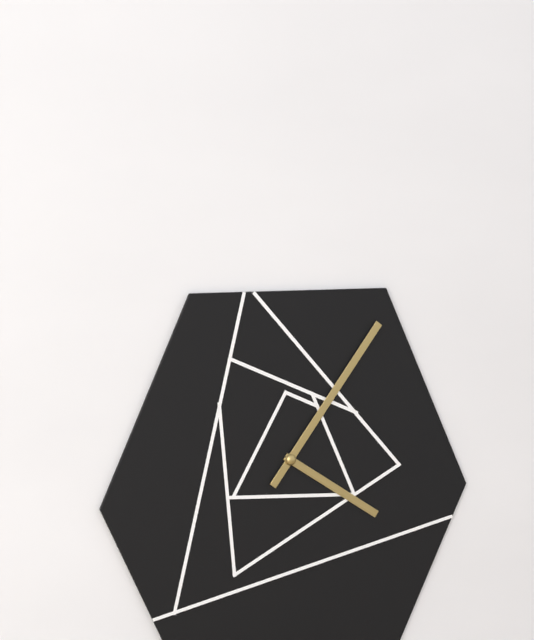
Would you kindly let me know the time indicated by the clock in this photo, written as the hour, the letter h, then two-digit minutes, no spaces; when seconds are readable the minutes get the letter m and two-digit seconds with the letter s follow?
4h06
